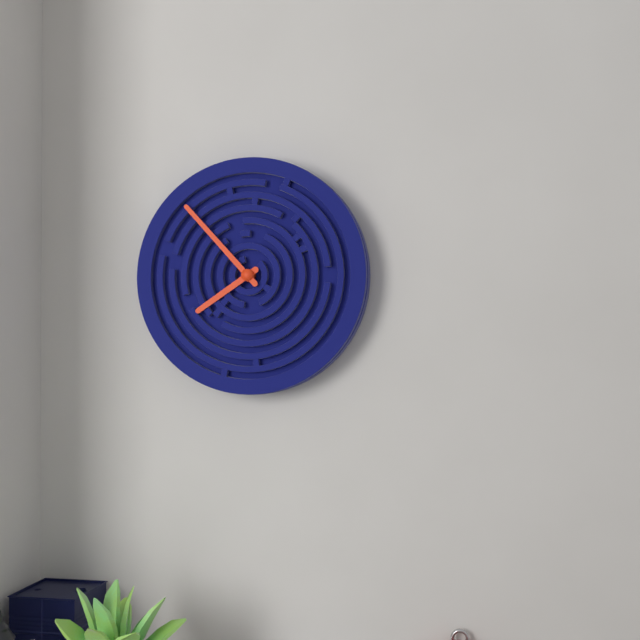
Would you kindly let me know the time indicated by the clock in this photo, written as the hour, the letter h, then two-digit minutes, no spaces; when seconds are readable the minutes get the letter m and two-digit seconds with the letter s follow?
7h53
